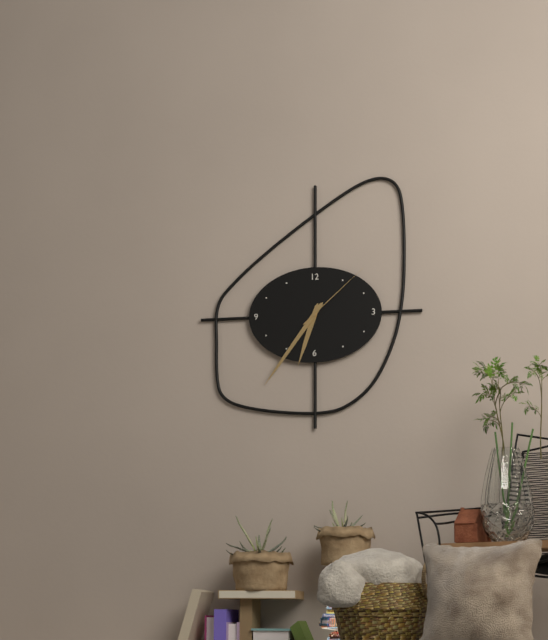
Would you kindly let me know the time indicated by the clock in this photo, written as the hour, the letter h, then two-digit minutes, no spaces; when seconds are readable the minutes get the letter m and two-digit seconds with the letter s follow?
6h36m08s
